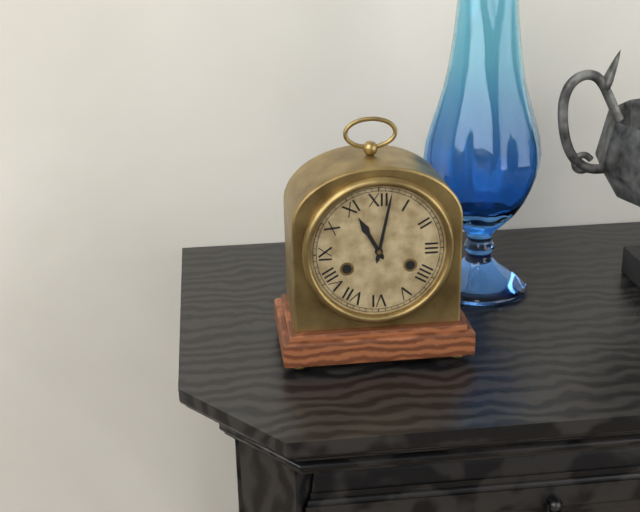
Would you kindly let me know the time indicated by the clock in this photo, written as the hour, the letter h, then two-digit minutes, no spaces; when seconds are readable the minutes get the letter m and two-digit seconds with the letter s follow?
11h02
